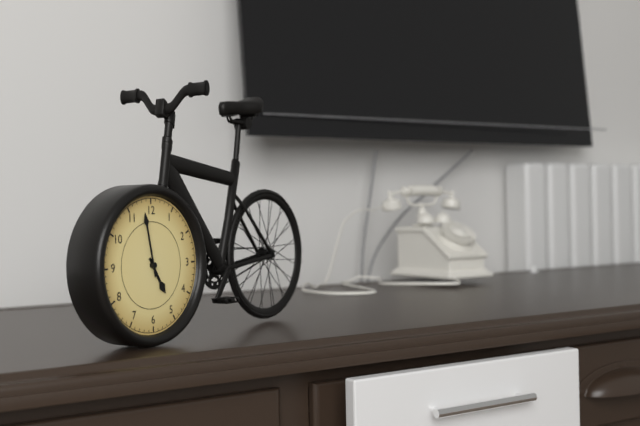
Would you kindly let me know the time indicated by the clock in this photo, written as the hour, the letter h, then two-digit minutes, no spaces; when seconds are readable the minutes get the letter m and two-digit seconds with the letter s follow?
4h58
